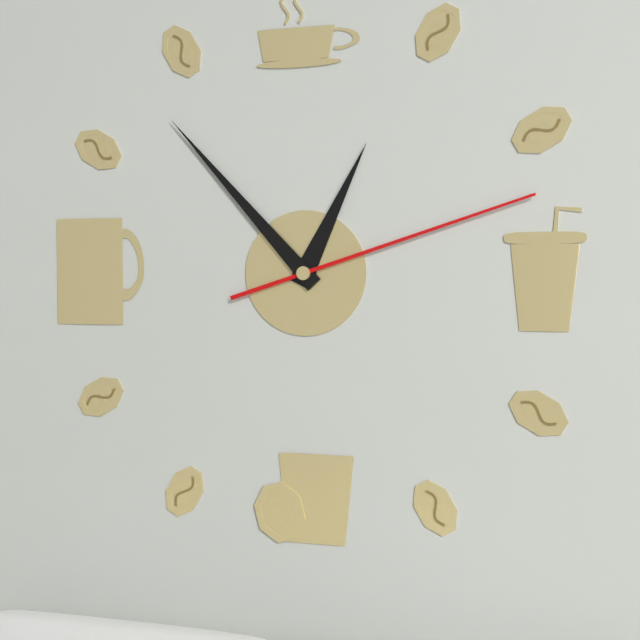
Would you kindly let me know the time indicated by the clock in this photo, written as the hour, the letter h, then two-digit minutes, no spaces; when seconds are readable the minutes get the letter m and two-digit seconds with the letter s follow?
12h53m12s
